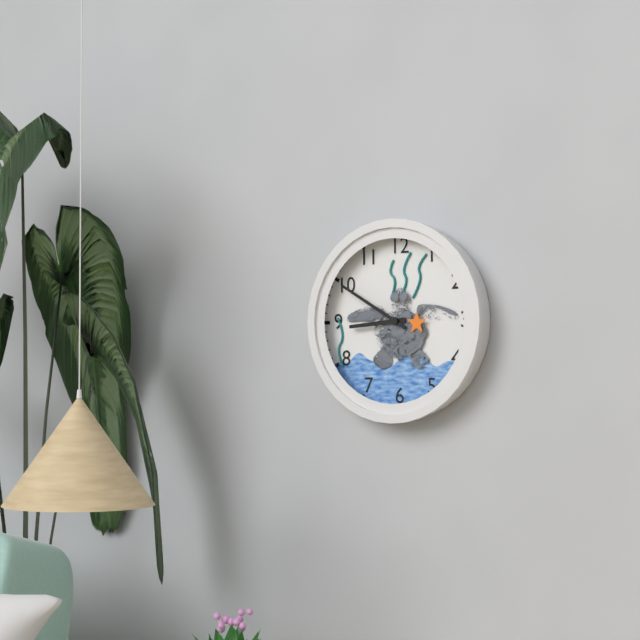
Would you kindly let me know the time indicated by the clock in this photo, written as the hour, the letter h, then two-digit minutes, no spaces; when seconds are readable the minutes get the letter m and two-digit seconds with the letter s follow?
8h50
